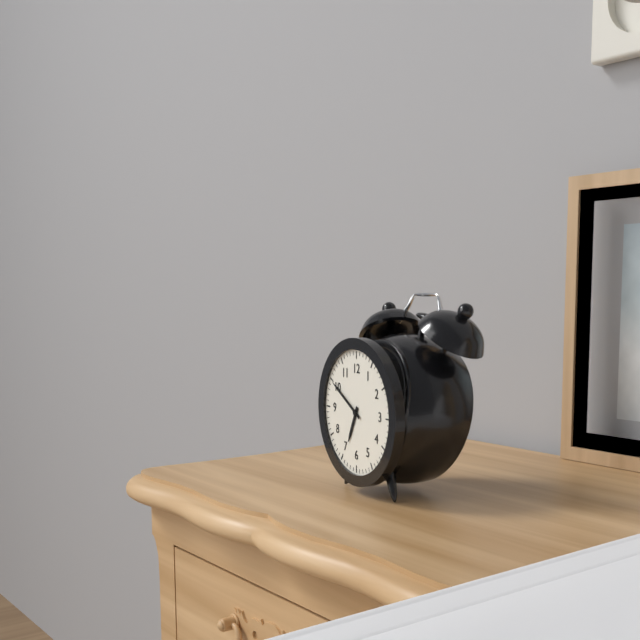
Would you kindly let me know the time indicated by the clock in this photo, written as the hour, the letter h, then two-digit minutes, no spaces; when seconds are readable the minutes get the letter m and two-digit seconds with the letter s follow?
6h50
